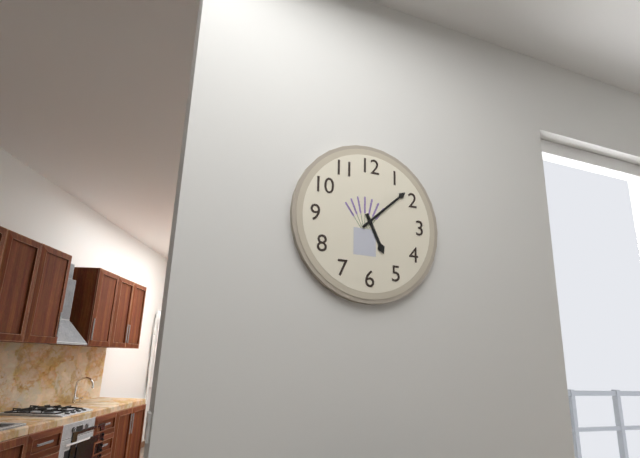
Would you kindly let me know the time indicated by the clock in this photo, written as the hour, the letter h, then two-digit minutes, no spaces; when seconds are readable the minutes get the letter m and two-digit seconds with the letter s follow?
5h08
